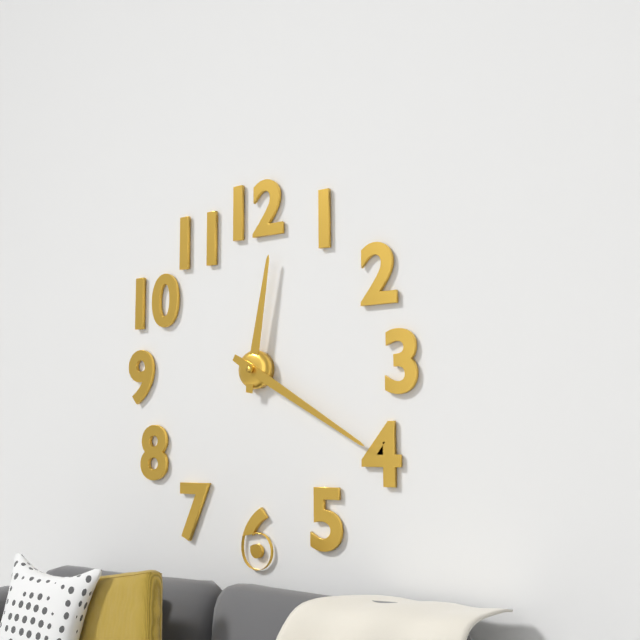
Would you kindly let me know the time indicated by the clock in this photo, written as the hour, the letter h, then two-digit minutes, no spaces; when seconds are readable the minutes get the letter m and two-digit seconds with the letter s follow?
12h20
